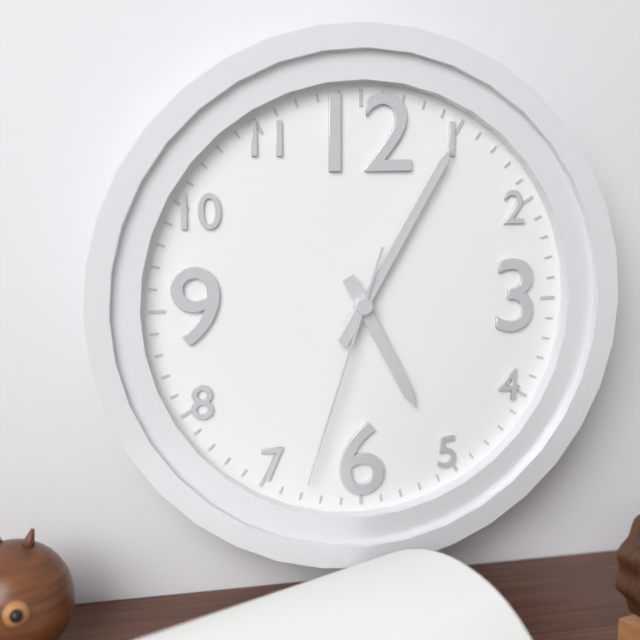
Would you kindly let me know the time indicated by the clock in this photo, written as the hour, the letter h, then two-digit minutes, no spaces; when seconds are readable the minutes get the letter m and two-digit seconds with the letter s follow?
5h05m33s
